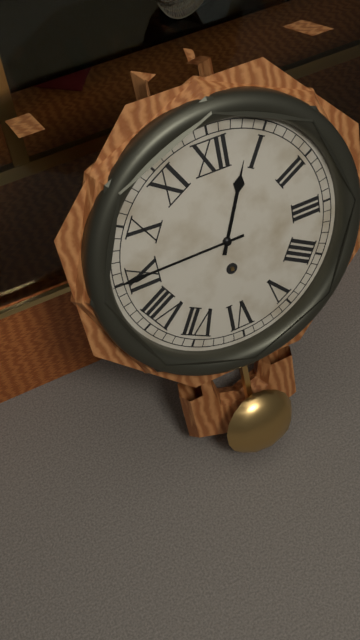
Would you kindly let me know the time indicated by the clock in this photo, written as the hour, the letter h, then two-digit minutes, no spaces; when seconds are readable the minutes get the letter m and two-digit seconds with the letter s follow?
12h45
